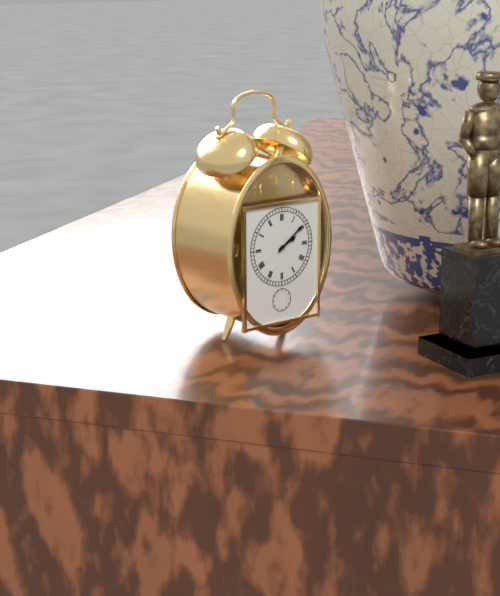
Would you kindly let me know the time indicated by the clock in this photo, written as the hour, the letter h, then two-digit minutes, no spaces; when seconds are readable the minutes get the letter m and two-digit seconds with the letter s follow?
2h09
